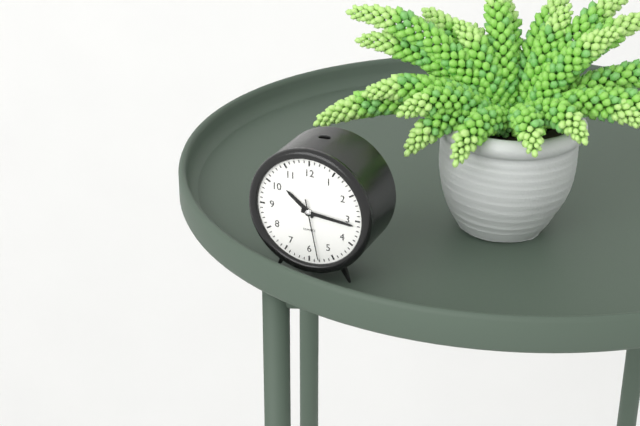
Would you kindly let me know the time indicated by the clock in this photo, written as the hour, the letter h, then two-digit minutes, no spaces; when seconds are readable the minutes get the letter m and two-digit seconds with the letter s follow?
10h16m28s
